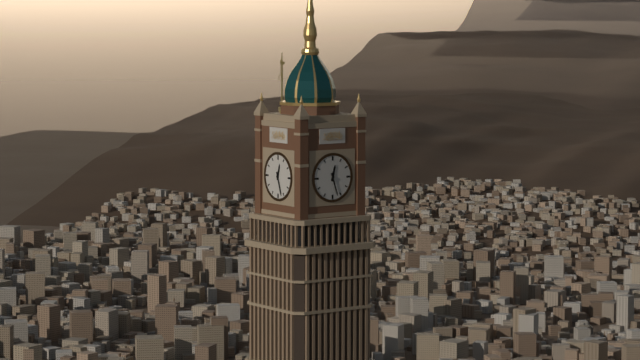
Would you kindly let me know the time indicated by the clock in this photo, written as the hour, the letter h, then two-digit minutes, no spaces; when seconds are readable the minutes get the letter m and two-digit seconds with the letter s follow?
12h27
